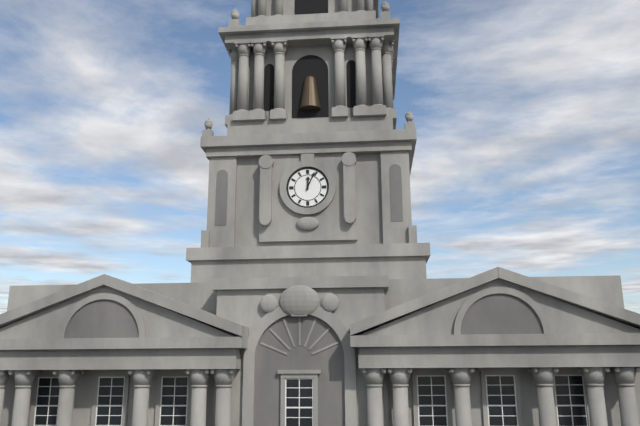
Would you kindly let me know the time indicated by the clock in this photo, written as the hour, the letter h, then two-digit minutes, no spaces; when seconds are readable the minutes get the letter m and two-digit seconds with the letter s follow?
12h04
